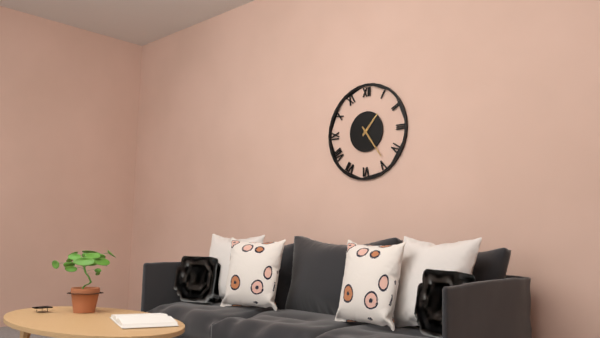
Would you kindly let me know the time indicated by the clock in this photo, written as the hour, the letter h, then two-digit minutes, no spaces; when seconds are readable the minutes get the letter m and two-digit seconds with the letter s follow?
1h24
